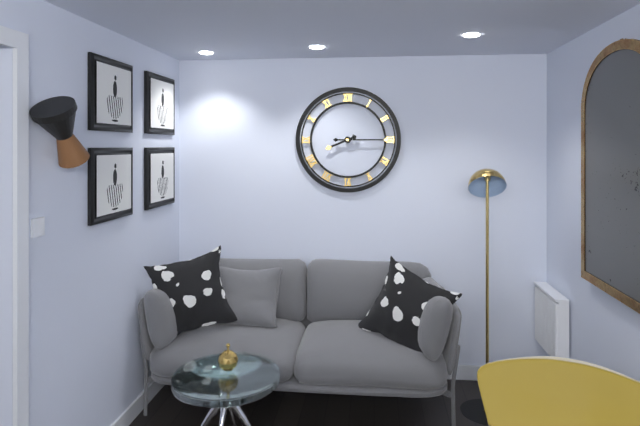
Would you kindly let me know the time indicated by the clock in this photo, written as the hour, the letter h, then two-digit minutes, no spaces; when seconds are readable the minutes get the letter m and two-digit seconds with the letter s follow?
8h15
